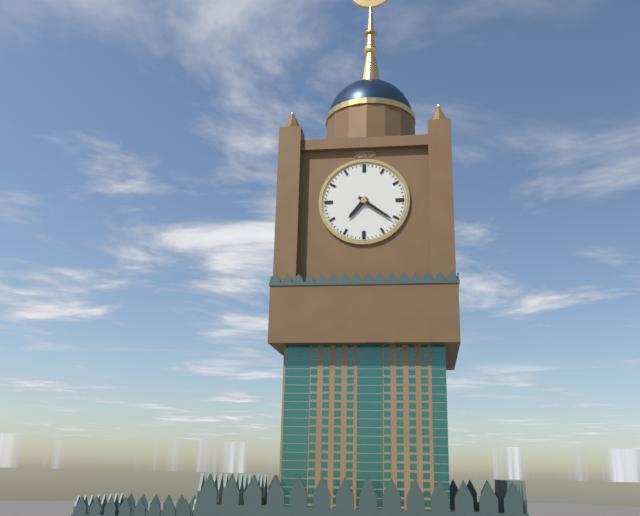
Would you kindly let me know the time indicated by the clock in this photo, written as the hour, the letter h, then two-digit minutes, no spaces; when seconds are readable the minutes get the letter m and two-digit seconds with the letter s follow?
7h21
